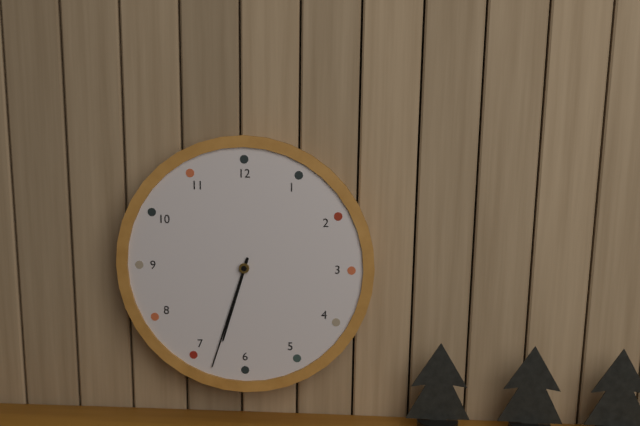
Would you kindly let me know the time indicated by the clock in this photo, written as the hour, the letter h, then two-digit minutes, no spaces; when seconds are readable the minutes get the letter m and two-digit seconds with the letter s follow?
6h33
